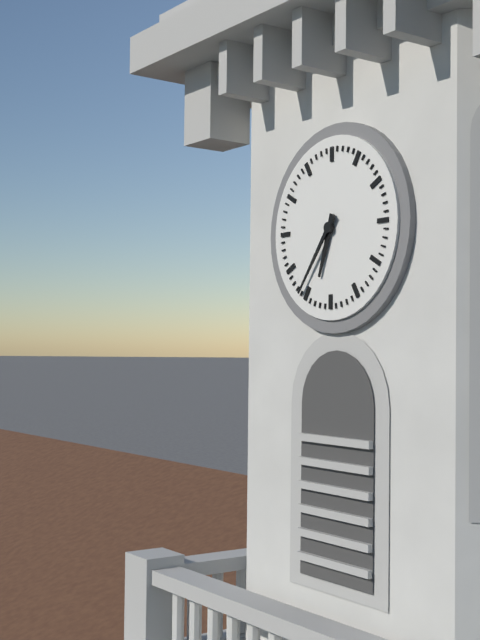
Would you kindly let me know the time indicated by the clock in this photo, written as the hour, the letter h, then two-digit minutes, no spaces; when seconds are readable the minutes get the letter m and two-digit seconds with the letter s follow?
6h36
